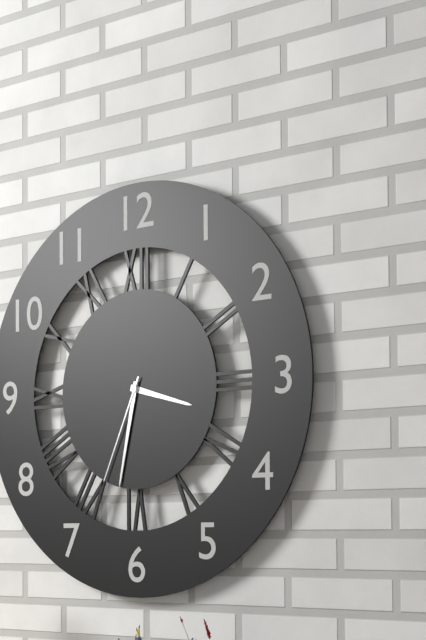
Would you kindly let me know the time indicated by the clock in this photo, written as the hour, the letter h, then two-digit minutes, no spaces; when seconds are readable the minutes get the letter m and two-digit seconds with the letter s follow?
3h32m34s
